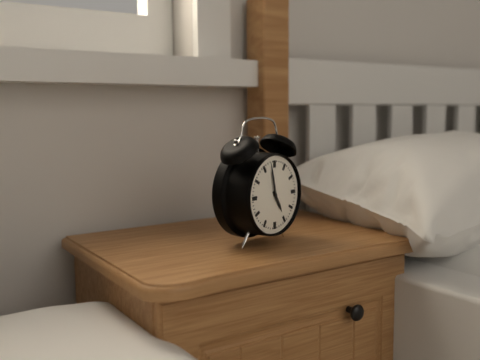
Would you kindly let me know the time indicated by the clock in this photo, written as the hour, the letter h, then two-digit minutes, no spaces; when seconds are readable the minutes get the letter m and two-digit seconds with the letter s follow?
4h58
